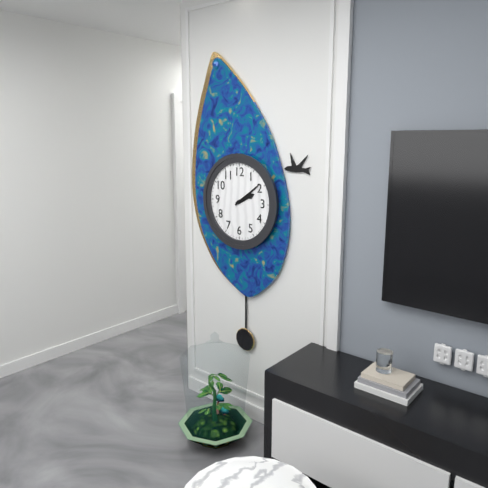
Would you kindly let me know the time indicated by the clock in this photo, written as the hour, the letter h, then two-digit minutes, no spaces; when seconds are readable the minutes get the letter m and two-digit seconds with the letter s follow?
2h09
